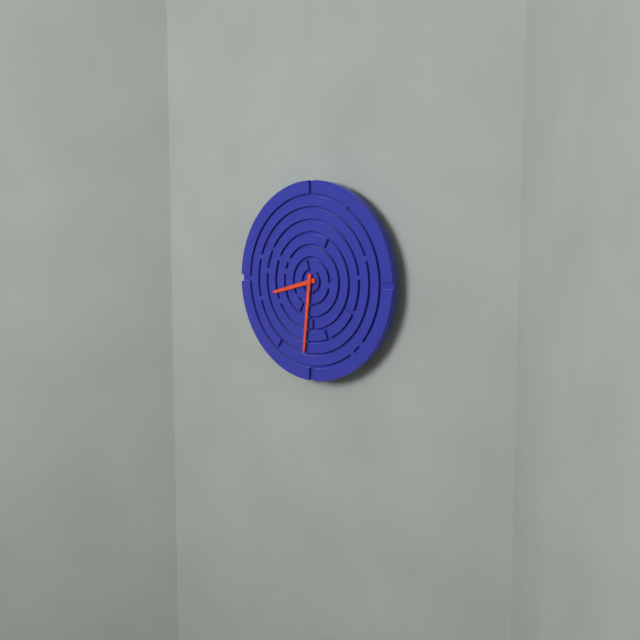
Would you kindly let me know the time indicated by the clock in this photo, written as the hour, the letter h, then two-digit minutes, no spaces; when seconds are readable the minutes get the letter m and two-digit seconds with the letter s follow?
8h31
